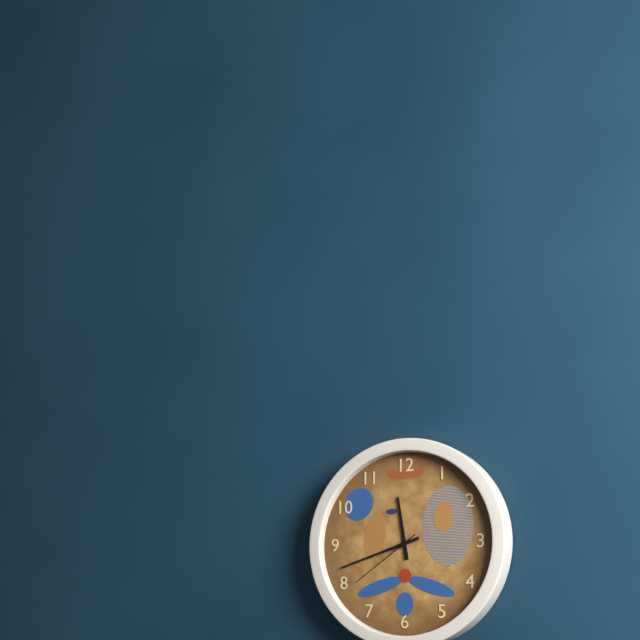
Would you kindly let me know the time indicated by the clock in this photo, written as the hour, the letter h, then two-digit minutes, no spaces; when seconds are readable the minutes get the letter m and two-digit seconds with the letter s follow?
11h42m39s
